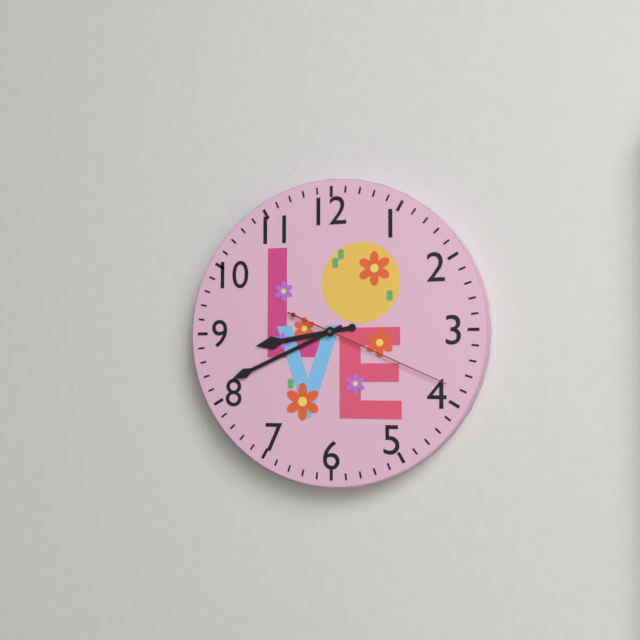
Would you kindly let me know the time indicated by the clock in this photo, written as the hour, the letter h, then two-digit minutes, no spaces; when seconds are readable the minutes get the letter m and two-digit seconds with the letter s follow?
8h41m19s
